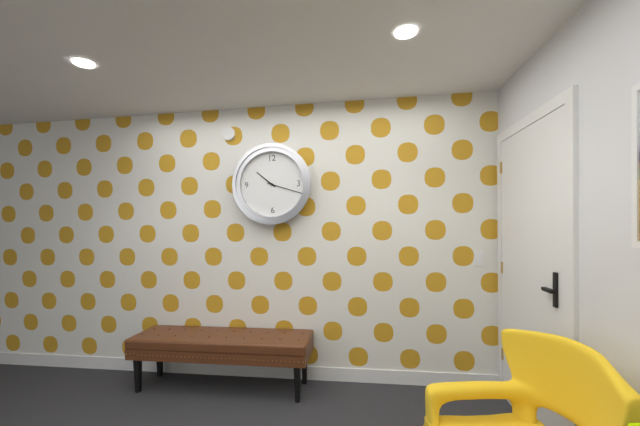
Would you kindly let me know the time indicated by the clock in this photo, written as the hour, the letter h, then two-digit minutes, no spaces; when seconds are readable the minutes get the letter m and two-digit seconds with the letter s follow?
10h18
